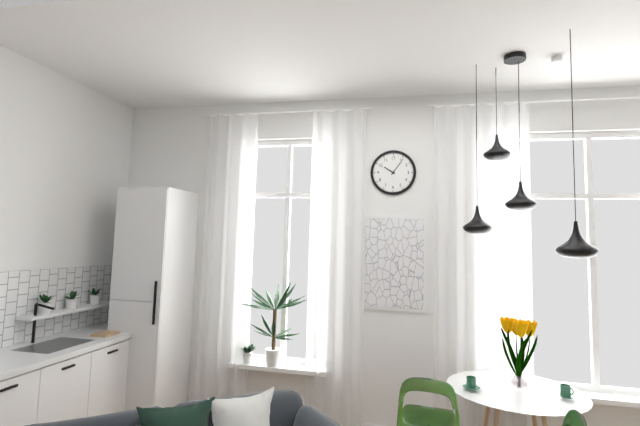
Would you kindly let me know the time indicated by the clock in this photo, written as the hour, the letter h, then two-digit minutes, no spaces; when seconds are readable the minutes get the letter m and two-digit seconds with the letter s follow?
10h06
